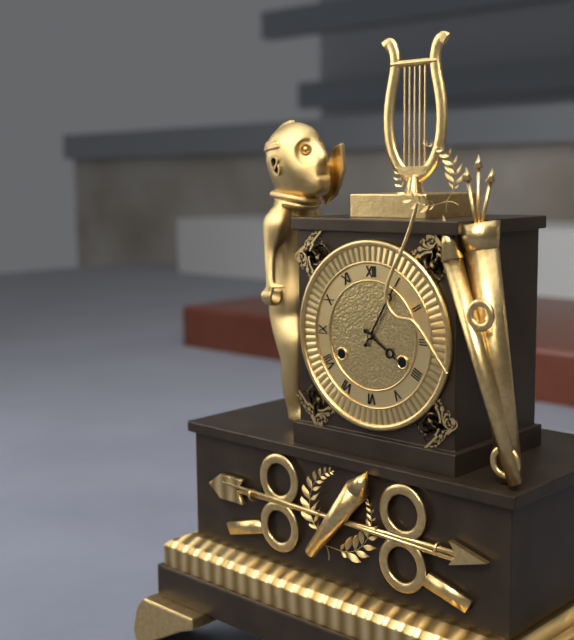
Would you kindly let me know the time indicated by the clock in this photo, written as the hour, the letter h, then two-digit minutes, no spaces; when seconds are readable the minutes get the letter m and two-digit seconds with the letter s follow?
4h05
